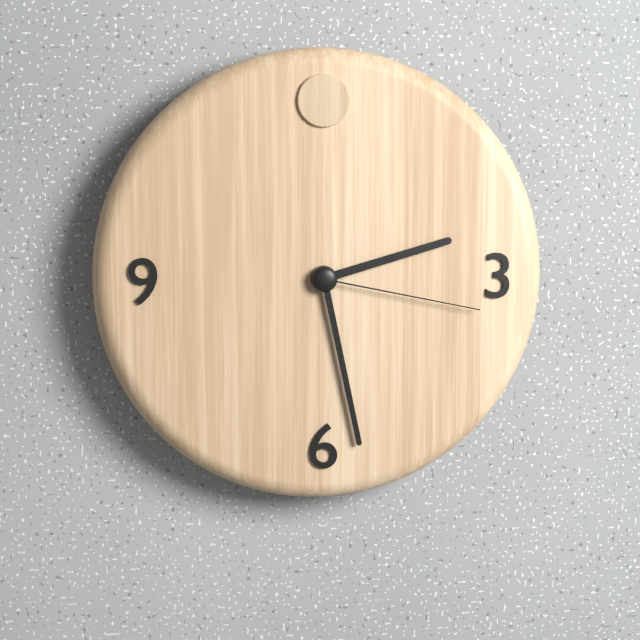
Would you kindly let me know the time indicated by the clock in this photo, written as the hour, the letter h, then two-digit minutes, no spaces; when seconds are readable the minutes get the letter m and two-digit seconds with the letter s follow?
2h28m17s
